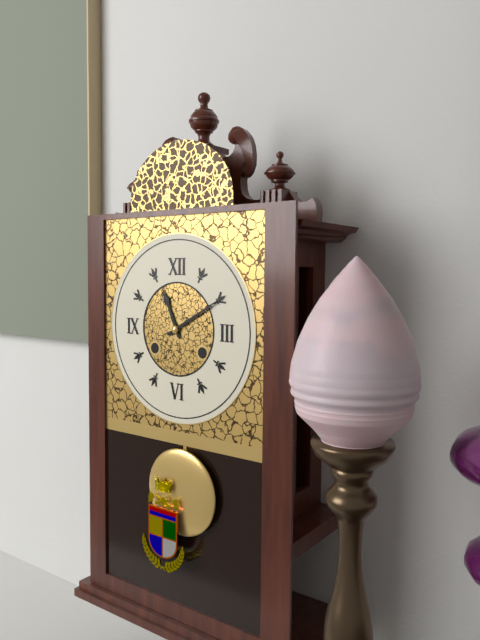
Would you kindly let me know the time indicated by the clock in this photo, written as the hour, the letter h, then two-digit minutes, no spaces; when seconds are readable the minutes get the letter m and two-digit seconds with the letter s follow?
11h10
